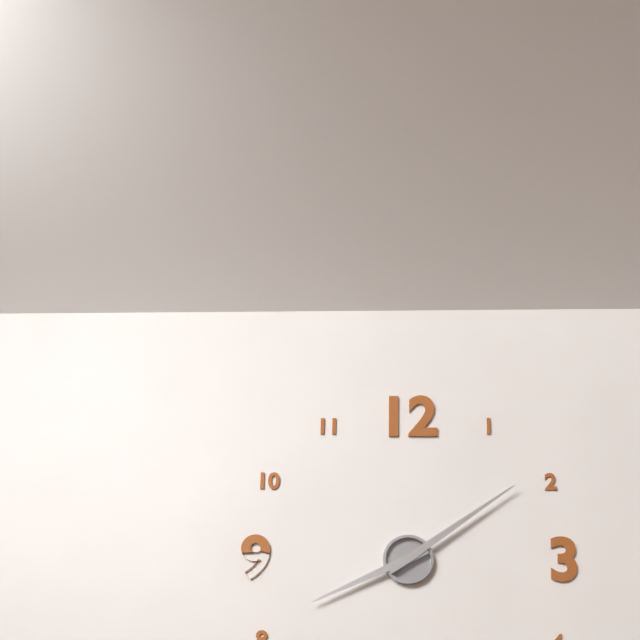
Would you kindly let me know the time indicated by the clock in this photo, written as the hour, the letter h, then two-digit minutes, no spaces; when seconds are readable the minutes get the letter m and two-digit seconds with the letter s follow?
8h09
